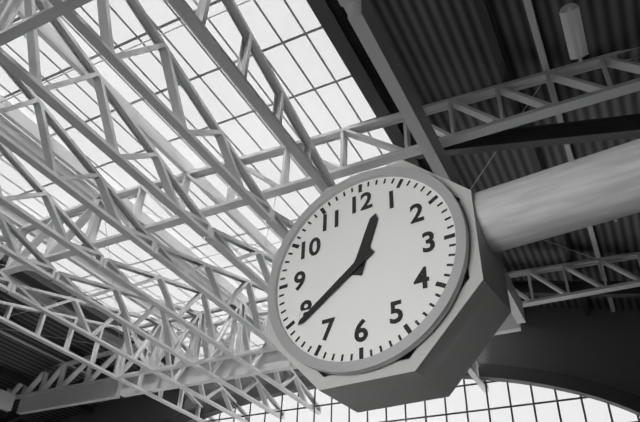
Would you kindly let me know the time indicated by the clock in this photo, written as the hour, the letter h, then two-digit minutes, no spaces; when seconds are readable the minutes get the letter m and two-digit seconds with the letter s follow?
12h39
